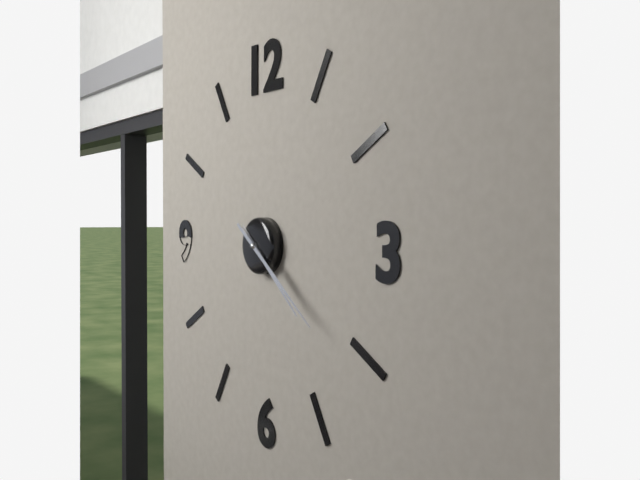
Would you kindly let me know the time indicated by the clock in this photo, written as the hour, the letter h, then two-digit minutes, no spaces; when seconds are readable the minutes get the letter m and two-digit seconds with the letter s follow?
4h21
